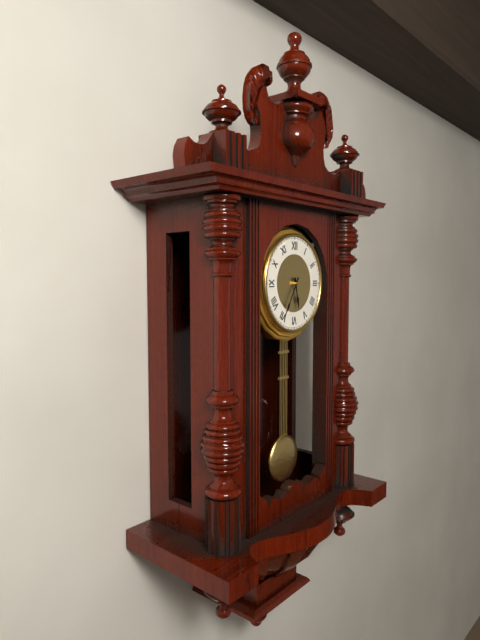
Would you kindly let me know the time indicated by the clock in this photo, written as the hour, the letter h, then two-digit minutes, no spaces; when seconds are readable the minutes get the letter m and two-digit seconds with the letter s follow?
5h35
